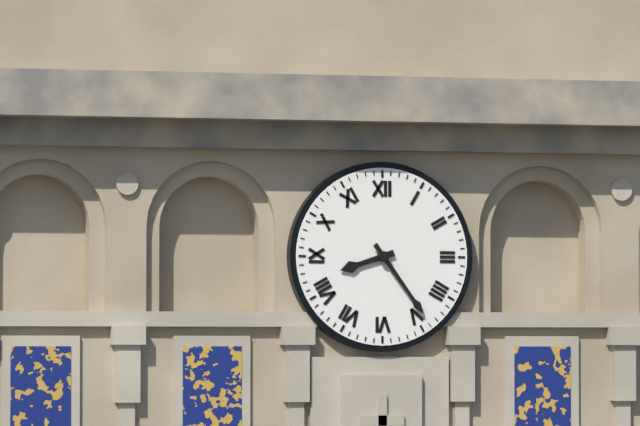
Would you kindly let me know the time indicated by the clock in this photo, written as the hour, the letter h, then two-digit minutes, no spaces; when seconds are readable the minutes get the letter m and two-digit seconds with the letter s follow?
8h24
